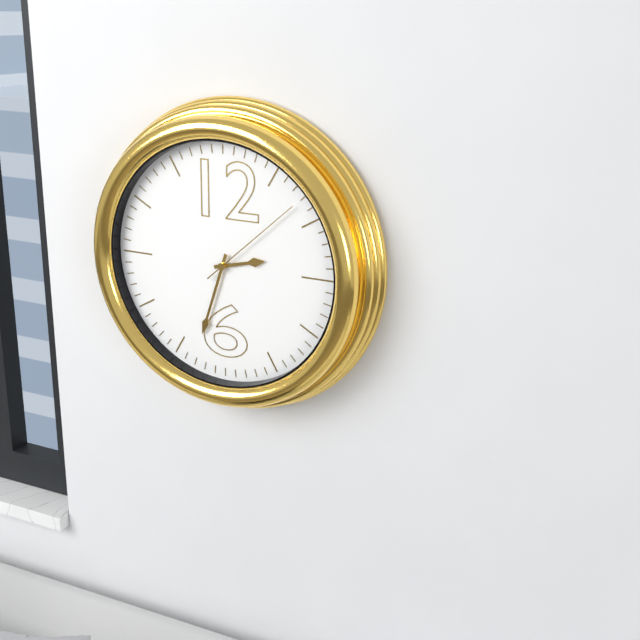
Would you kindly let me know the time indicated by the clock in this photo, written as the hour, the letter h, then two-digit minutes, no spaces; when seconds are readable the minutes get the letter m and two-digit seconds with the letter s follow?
2h33m08s
